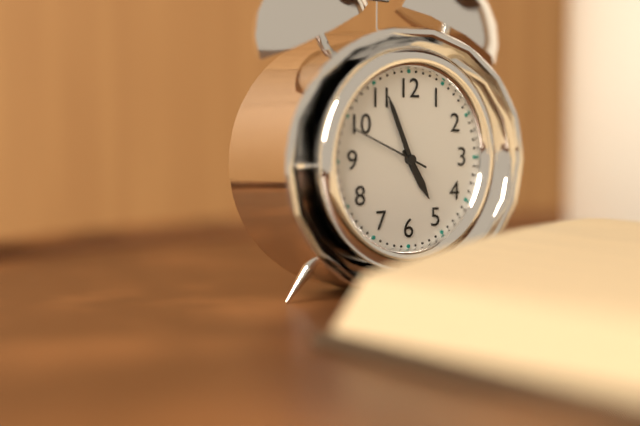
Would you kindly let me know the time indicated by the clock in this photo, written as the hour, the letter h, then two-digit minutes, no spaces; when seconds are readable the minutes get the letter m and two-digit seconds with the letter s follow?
4h56m49s
